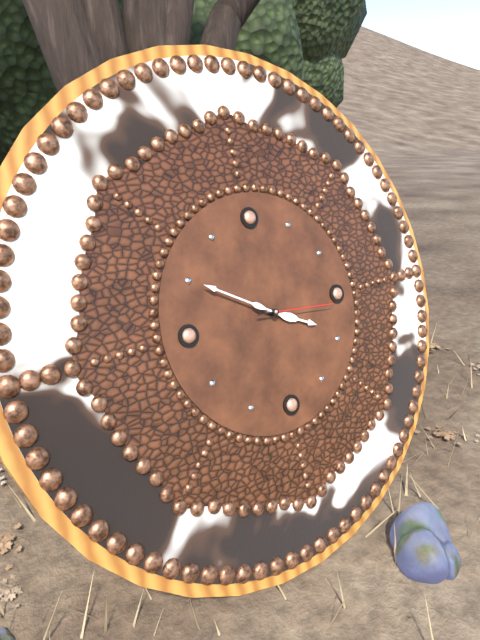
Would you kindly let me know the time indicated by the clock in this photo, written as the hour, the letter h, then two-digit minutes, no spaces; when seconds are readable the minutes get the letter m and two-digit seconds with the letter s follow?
3h50m16s
